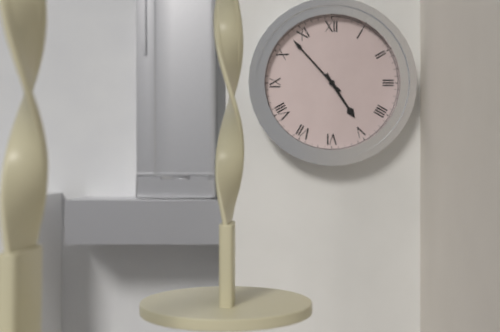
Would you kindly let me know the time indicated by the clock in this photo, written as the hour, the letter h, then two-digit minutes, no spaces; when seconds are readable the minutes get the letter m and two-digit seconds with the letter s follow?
4h53
